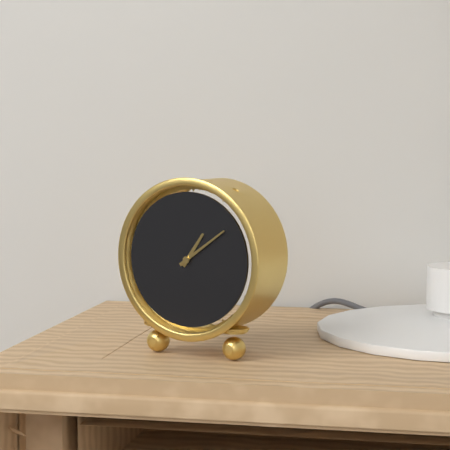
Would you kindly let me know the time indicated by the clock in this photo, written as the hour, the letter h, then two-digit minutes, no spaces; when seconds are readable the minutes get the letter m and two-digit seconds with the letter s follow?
1h09
